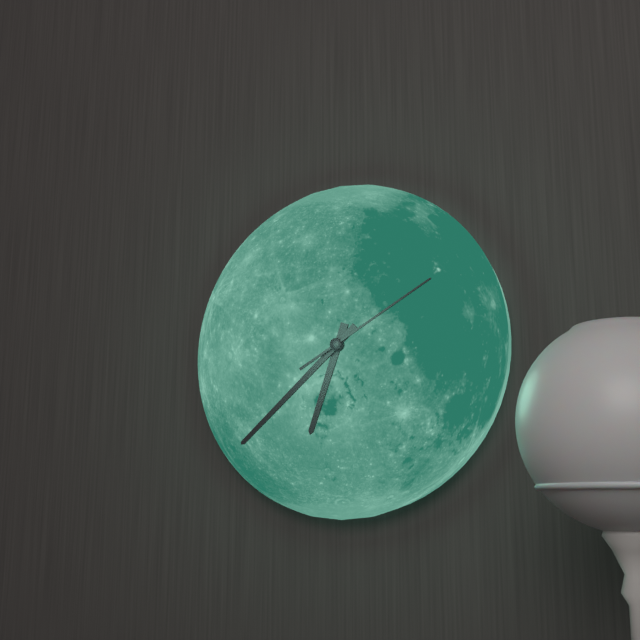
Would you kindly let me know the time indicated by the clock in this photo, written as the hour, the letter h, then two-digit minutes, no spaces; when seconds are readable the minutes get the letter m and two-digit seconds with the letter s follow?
6h38m10s
